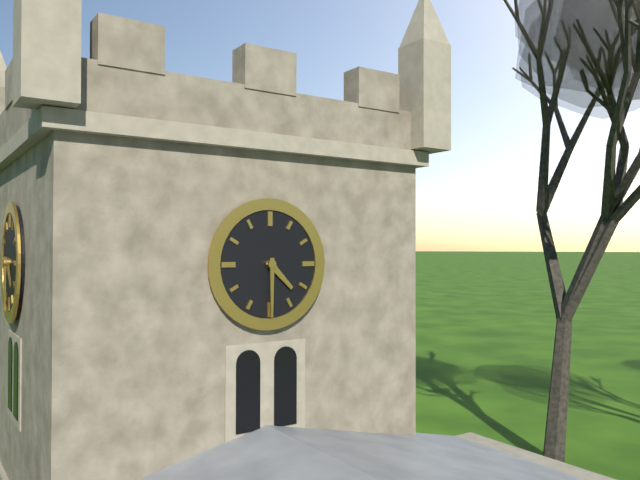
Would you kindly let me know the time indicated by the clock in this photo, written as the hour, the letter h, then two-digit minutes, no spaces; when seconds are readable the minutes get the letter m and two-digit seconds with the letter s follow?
4h30
